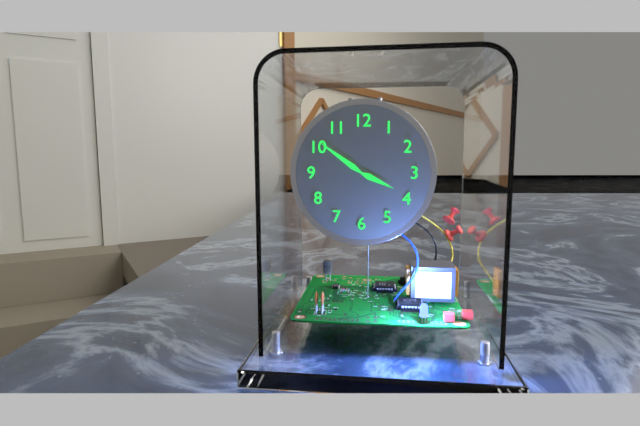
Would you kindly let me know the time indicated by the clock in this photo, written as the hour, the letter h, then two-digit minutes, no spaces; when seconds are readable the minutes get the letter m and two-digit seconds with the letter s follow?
3h51m51s
